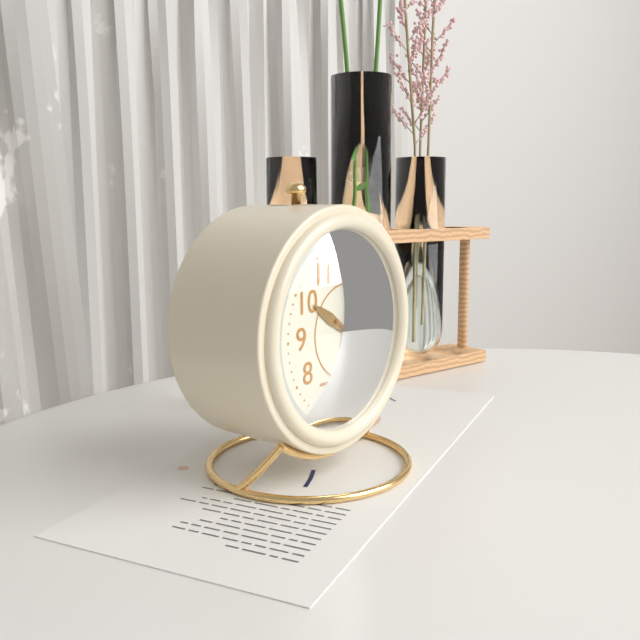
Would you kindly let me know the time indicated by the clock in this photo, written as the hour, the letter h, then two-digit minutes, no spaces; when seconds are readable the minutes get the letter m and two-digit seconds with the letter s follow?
10h04m21s
